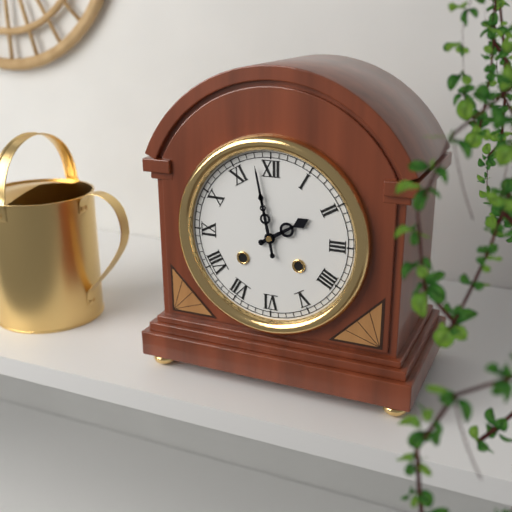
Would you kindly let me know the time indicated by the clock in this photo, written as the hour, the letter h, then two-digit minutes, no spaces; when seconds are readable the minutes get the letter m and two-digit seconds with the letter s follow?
1h58
